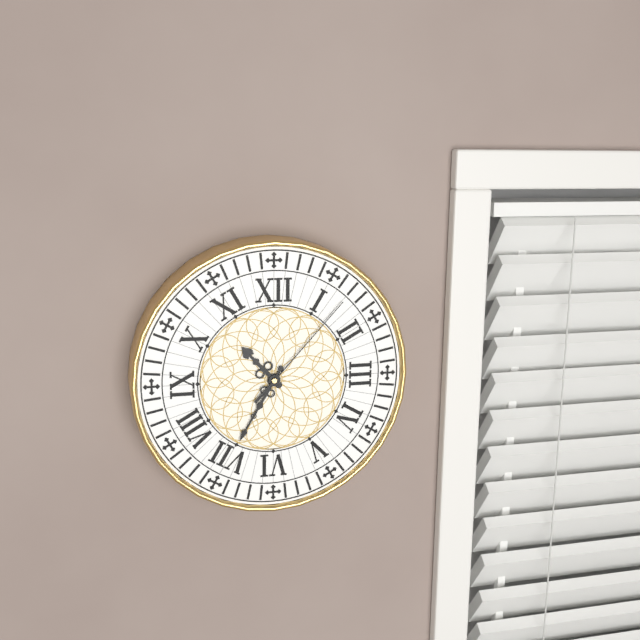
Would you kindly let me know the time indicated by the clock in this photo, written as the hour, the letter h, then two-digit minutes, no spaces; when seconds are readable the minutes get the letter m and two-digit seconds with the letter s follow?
10h35m07s
